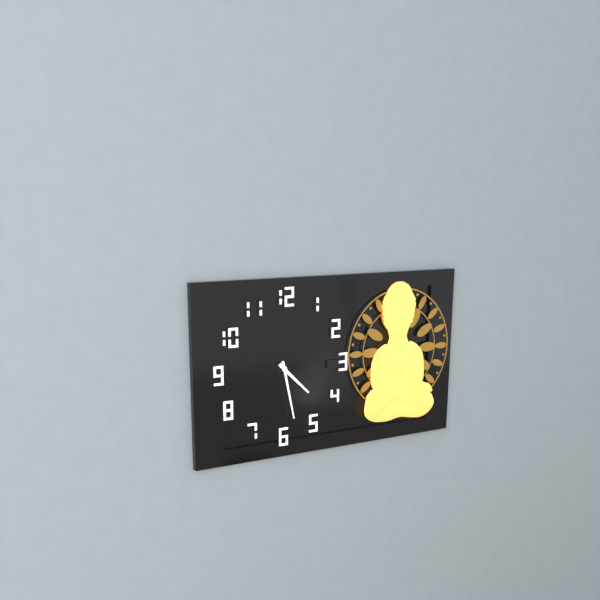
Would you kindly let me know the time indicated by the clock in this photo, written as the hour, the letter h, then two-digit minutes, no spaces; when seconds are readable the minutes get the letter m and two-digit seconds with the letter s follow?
4h28
